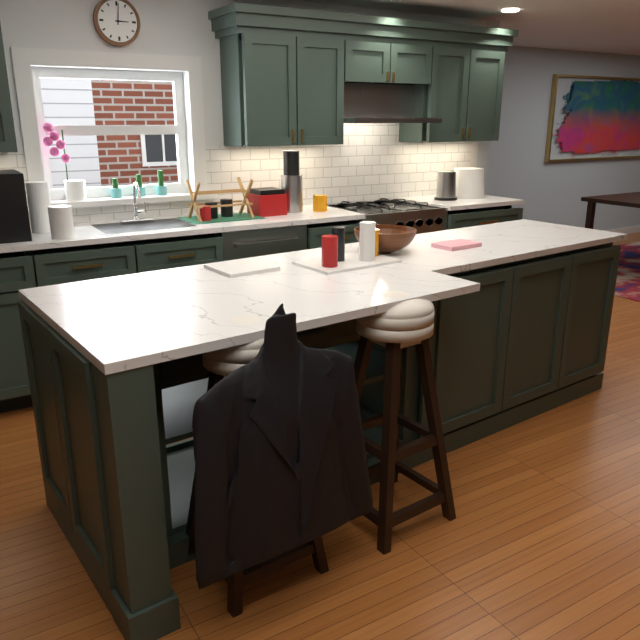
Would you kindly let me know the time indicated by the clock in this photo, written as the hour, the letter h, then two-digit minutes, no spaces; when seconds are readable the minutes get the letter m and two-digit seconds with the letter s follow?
3h01
